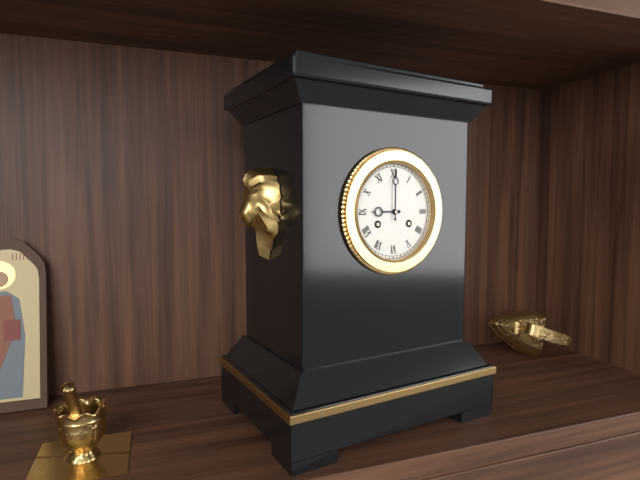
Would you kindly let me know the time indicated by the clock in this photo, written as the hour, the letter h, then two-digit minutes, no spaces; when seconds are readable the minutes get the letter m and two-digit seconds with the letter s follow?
9h00
